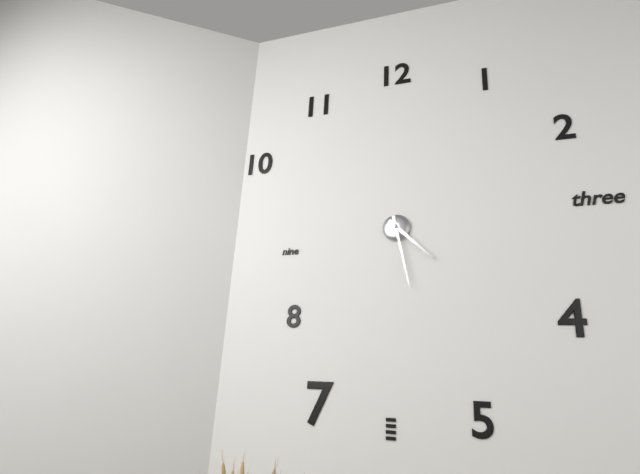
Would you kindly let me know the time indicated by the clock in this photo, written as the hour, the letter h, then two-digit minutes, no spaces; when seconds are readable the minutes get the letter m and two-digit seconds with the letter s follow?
4h28
